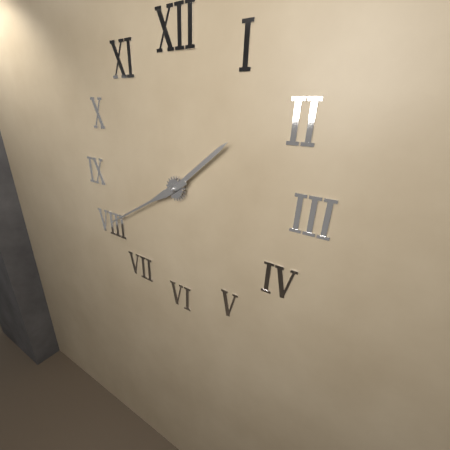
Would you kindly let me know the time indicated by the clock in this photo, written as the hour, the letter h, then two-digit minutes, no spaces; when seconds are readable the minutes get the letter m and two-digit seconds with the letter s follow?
1h40
